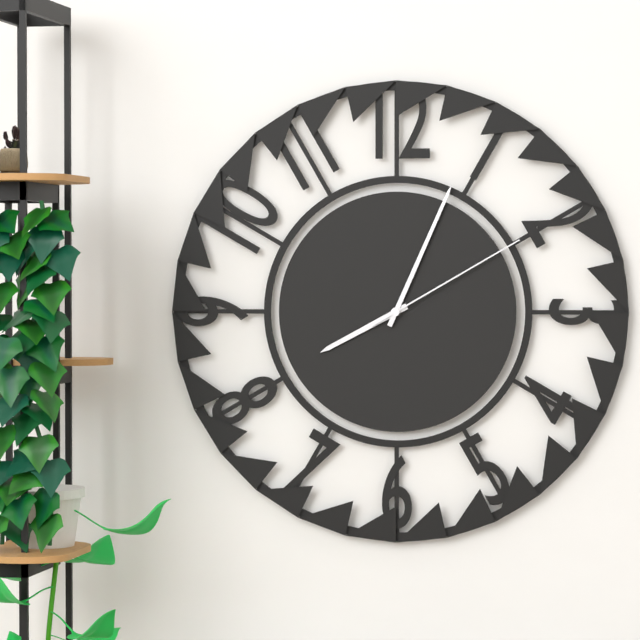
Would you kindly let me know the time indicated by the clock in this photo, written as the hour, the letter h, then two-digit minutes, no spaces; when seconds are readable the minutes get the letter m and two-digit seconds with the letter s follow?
8h04m10s
